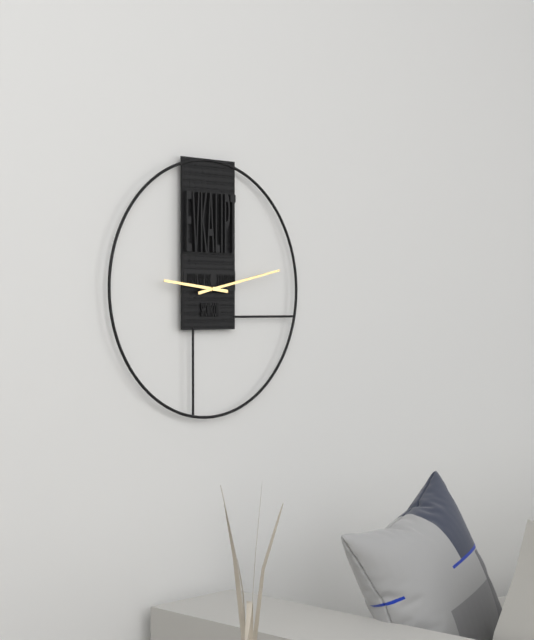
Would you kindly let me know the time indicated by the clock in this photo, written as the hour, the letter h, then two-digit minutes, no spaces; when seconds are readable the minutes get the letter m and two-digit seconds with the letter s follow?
9h13
